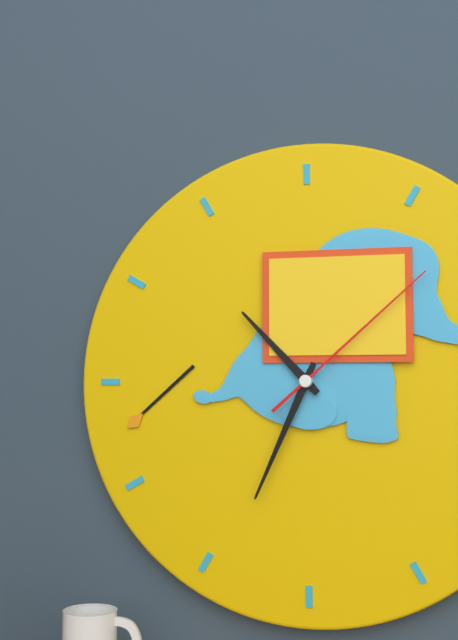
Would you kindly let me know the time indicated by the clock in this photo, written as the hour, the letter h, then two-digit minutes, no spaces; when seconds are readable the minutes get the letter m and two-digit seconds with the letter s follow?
10h34m08s
